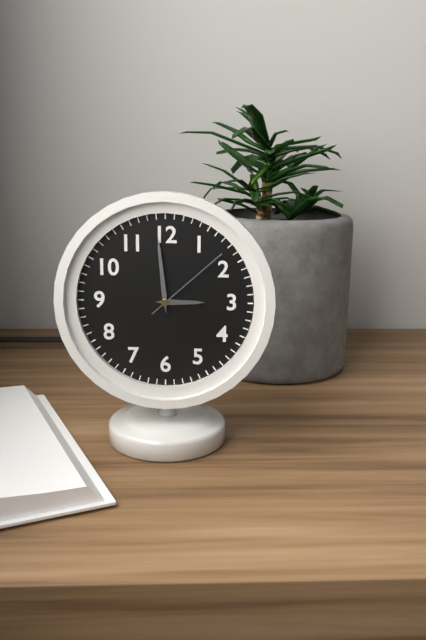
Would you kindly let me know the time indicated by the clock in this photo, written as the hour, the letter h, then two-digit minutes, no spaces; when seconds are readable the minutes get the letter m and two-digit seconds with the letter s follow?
2h59m08s
